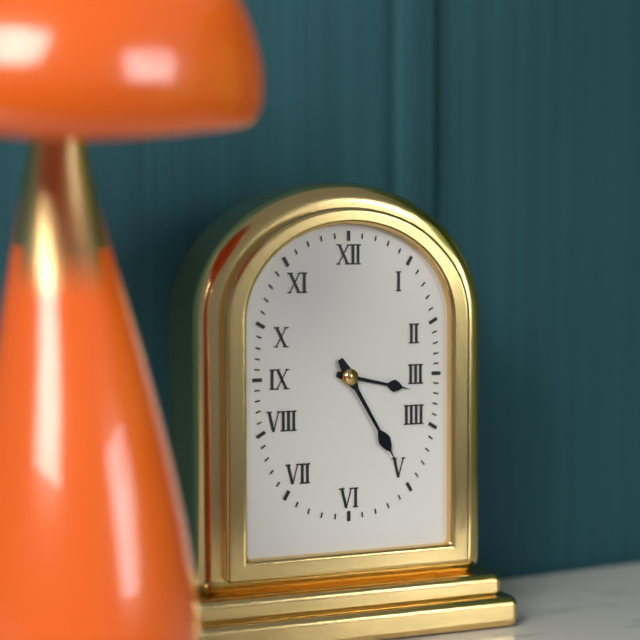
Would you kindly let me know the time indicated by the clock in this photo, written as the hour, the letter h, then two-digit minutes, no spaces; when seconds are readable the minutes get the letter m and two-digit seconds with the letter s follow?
3h25
